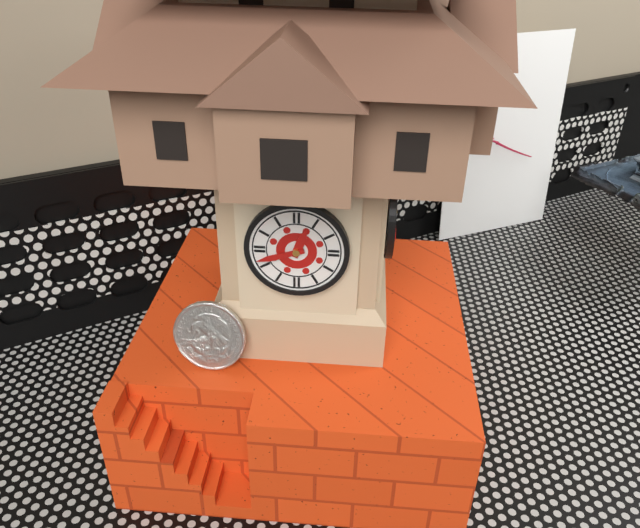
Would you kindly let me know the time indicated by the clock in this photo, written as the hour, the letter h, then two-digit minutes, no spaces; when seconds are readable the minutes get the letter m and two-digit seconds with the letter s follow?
12h42
